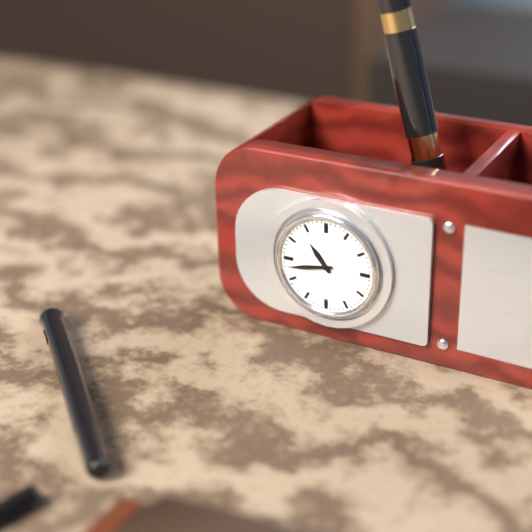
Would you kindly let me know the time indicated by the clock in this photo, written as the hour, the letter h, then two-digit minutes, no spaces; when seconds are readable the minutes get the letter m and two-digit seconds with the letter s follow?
10h43
